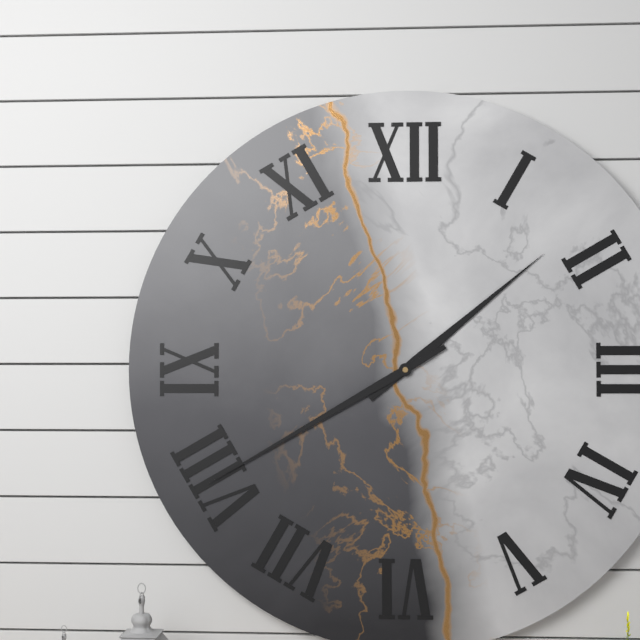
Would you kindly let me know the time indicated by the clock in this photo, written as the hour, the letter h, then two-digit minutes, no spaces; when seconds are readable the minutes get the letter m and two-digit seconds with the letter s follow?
1h40
